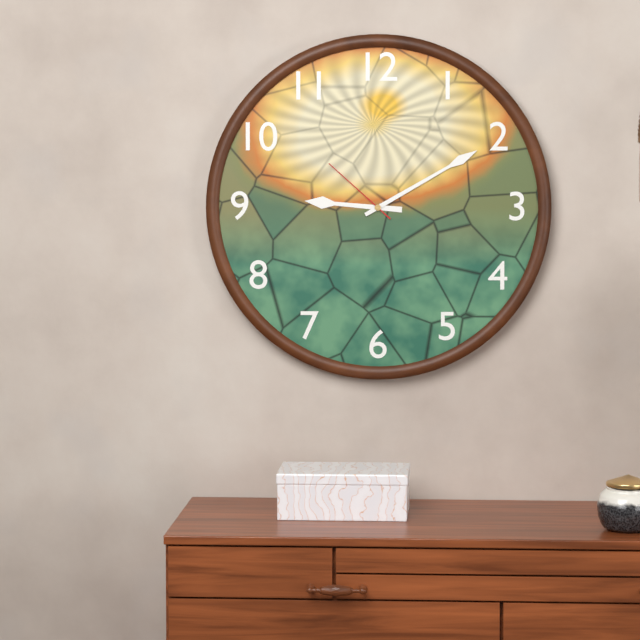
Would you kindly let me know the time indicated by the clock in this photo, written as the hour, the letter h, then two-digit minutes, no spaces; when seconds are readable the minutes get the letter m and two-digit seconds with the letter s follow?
9h10m52s
